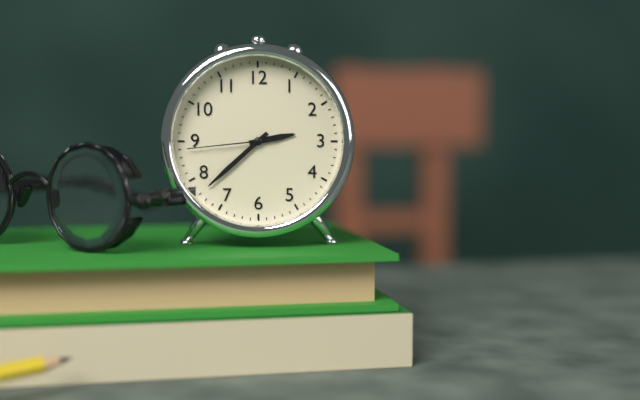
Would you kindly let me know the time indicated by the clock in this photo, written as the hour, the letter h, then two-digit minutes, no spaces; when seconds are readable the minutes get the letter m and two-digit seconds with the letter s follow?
2h38m44s
